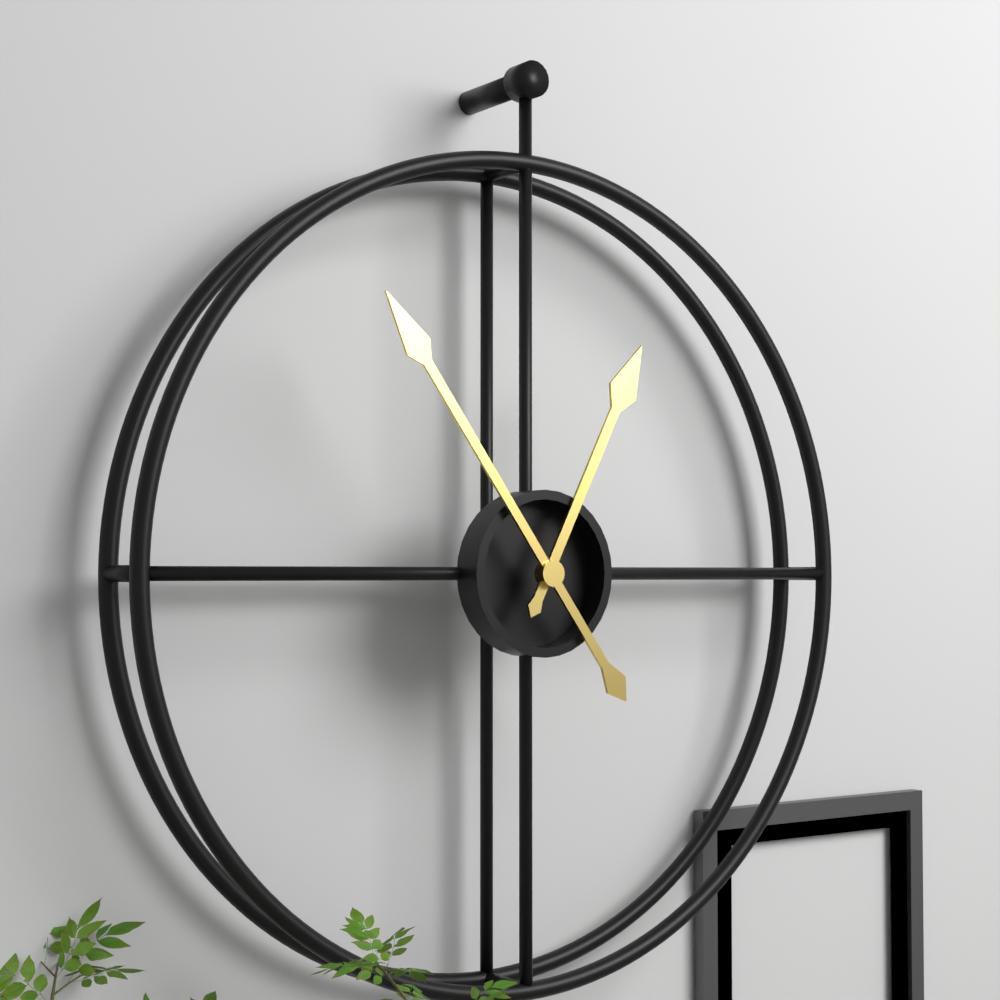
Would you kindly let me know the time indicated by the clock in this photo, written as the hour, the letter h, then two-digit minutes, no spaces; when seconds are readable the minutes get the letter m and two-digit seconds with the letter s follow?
12h54
